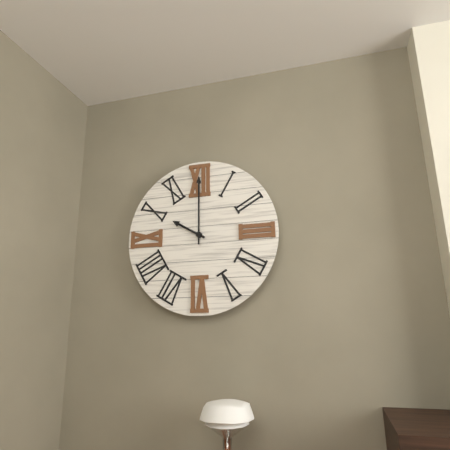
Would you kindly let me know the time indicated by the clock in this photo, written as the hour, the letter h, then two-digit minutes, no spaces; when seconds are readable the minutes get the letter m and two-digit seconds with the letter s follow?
10h00
